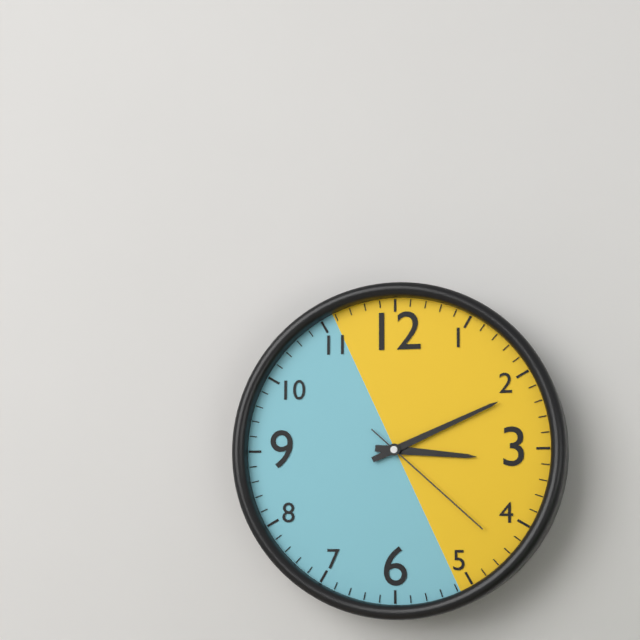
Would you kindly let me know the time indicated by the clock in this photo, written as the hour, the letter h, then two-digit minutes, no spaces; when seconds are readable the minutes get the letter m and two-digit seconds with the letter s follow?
3h11m22s
